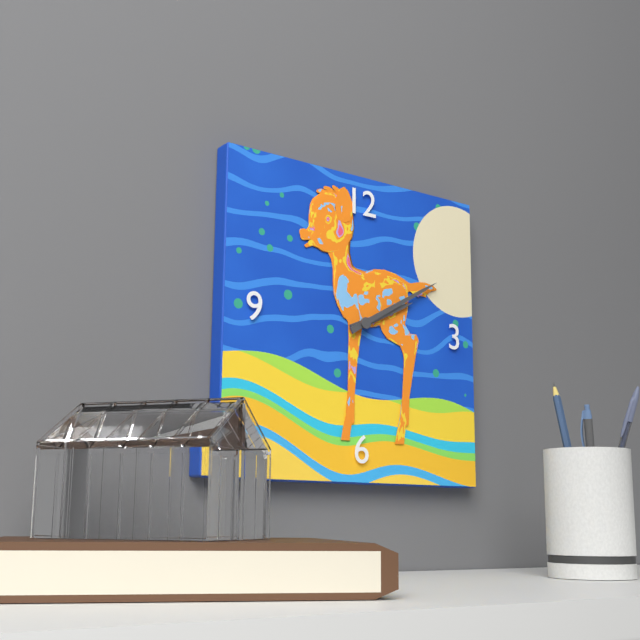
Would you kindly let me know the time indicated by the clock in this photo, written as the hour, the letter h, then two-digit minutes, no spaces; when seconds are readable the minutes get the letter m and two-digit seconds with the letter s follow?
2h10
